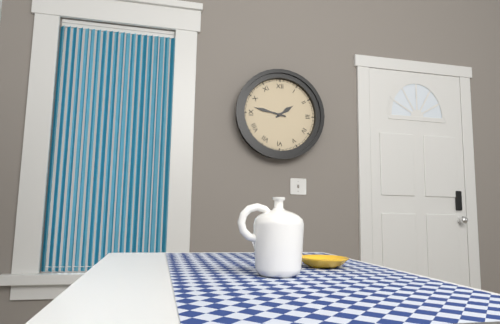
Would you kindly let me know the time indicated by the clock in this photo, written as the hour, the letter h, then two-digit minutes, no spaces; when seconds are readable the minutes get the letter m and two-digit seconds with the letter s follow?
1h47
